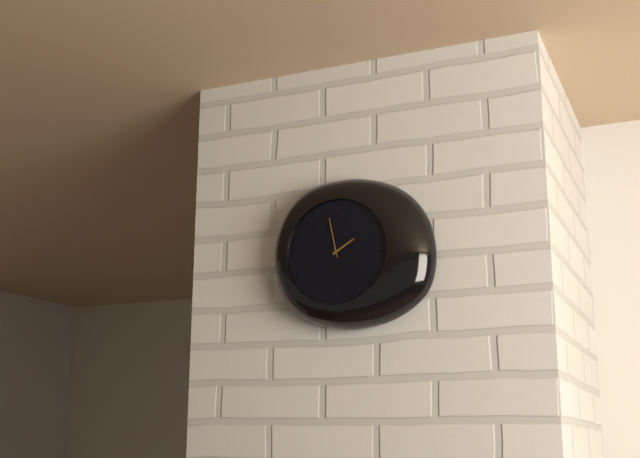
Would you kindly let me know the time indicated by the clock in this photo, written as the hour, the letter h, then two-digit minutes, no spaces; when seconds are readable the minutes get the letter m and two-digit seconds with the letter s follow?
1h58
